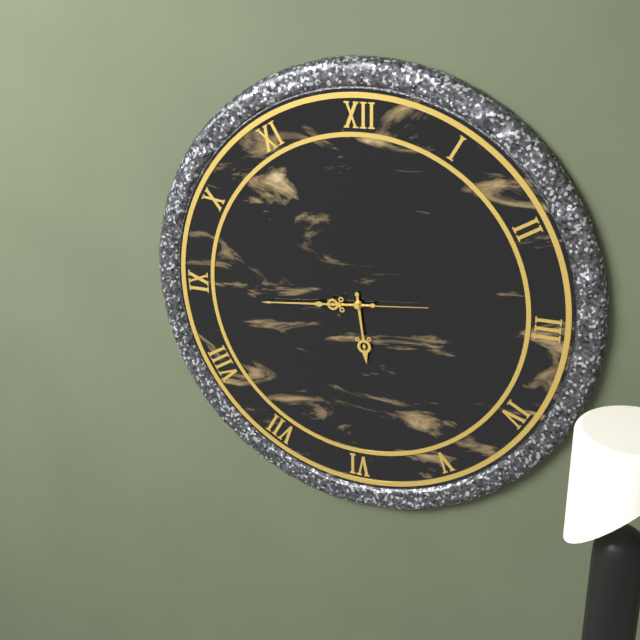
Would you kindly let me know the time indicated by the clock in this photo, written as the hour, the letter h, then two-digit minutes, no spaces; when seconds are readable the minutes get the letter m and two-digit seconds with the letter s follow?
5h44m14s
